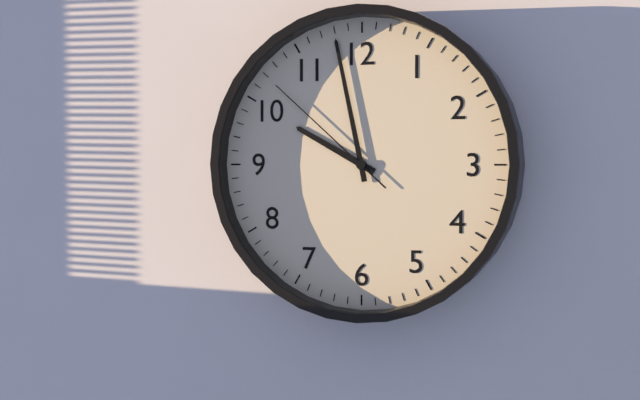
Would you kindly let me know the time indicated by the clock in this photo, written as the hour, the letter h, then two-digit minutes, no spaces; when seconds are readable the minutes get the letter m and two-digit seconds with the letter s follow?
9h58m52s
